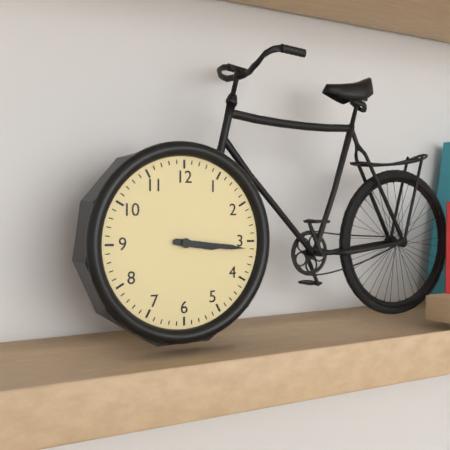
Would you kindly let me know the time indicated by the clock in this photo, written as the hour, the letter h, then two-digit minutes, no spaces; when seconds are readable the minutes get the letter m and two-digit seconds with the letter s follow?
3h16
